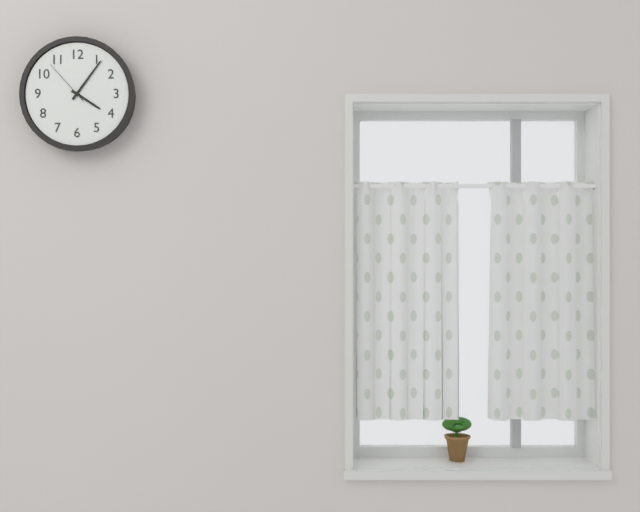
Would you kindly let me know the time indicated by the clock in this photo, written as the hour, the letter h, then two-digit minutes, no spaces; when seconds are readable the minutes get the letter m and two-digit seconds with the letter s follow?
4h06
